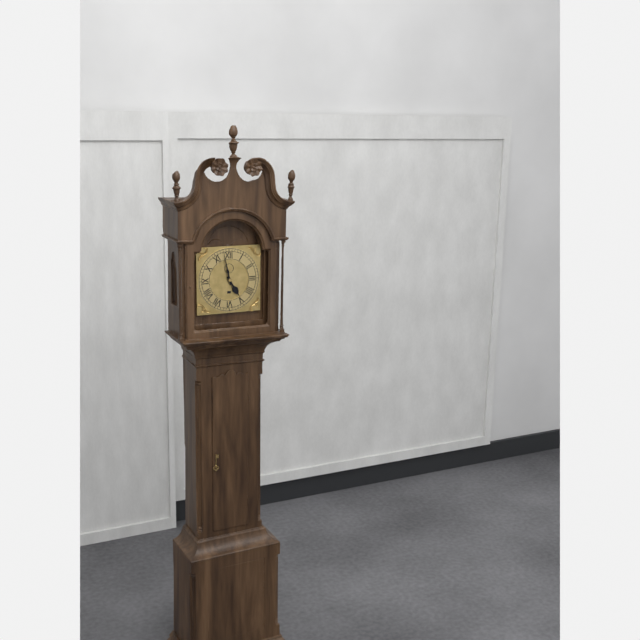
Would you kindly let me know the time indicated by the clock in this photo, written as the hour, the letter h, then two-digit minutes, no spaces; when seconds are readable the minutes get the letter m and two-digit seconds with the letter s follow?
4h58
